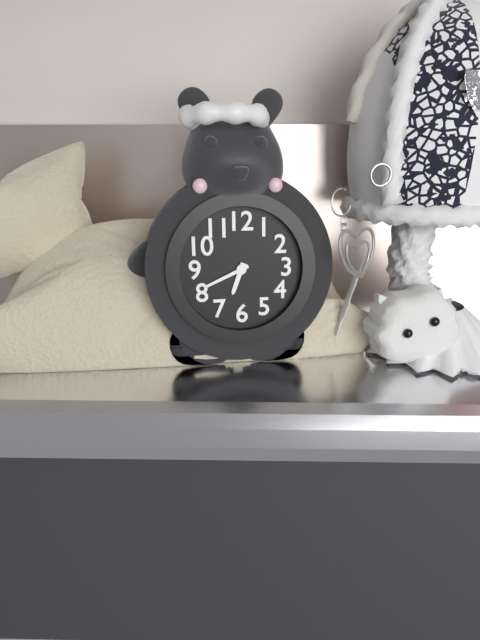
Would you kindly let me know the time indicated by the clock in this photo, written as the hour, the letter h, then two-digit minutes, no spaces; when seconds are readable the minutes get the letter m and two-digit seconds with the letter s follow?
6h41
